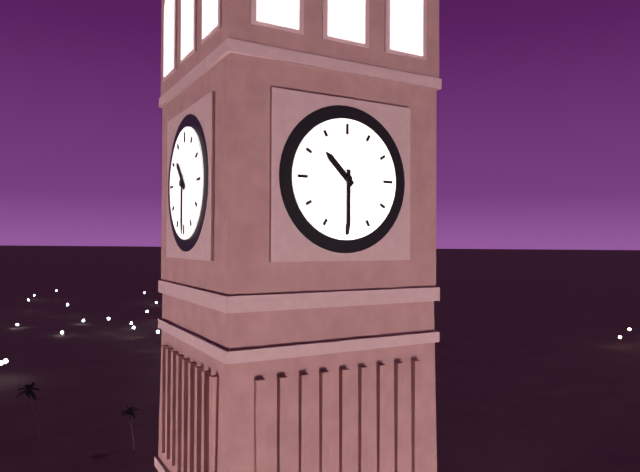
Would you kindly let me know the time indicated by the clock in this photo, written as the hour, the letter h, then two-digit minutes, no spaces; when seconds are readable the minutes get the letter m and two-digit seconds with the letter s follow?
10h30
